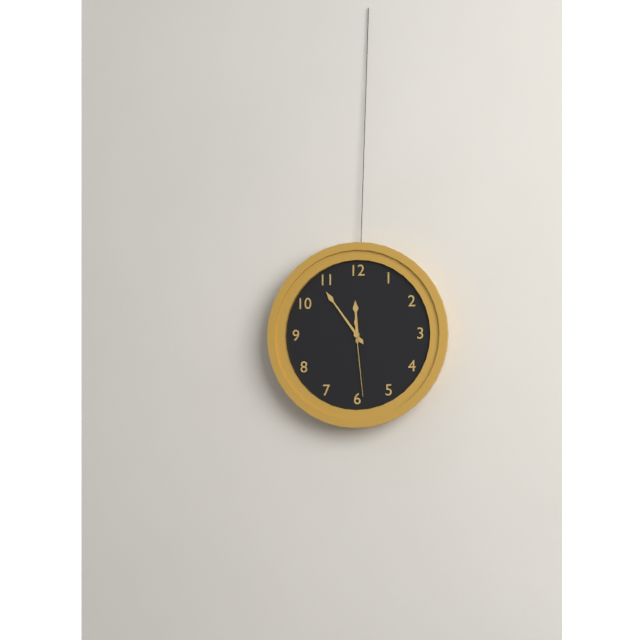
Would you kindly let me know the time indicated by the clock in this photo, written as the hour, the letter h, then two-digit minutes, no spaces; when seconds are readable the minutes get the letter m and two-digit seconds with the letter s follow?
11h54m29s
